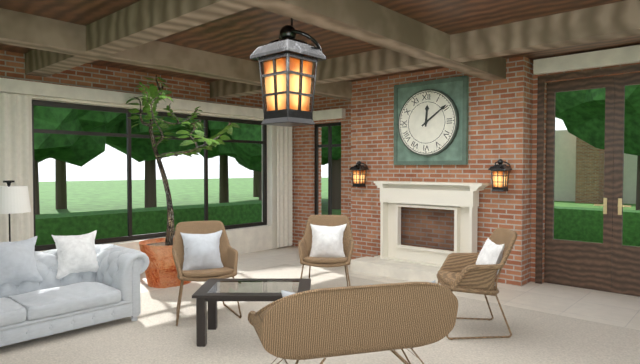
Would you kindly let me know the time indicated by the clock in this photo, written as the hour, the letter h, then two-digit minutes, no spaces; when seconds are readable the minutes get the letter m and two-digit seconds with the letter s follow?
12h09
